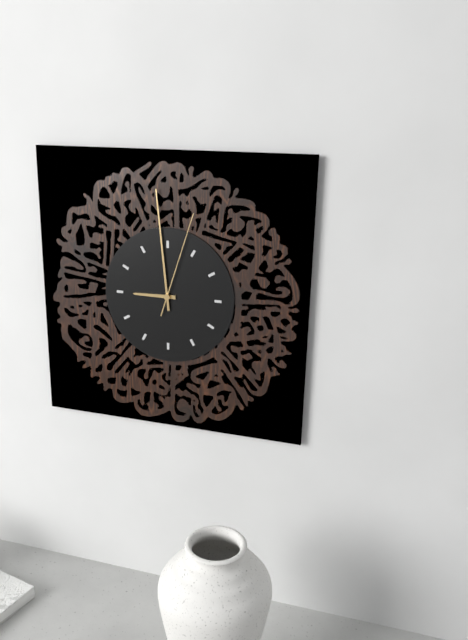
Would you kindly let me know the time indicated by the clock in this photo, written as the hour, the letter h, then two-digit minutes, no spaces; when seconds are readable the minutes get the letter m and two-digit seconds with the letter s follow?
8h59m03s
